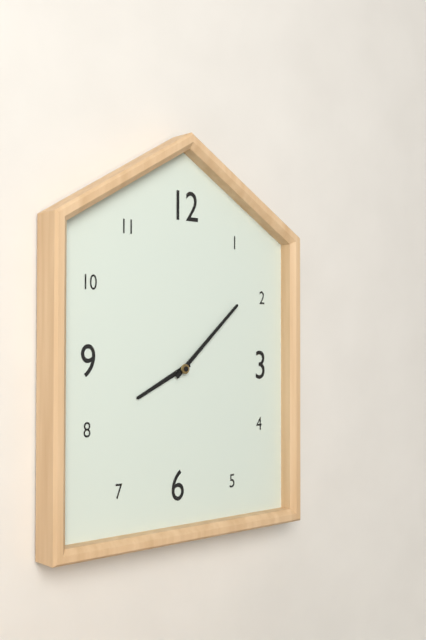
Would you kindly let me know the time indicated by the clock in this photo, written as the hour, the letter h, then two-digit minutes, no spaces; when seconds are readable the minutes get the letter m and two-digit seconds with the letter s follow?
8h08
